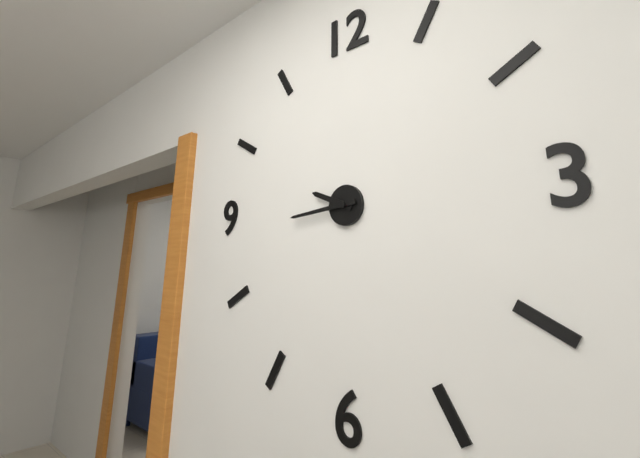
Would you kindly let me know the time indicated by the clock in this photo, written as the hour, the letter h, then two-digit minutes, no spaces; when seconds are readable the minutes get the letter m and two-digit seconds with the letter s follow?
9h44
